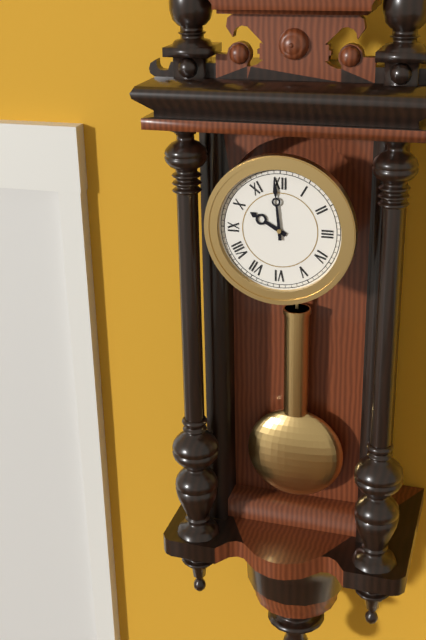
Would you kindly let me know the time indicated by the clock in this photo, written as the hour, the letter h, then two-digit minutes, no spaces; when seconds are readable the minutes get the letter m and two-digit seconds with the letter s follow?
9h59
